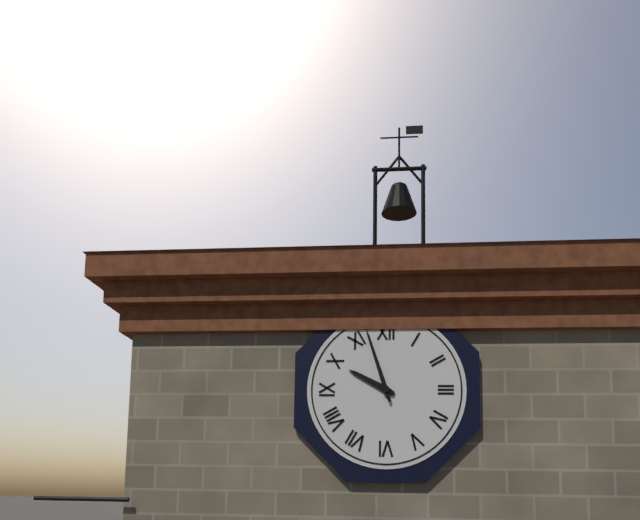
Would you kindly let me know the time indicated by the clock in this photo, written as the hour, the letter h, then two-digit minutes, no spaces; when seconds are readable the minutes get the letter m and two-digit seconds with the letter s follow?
9h57
